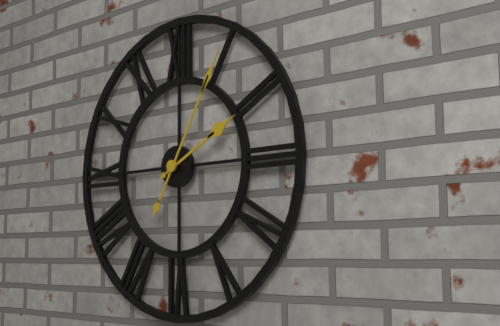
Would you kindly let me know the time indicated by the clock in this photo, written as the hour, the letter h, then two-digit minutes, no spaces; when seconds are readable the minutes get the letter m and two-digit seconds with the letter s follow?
2h05
